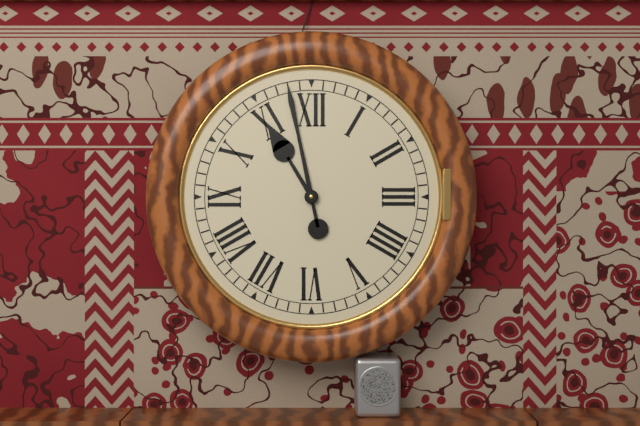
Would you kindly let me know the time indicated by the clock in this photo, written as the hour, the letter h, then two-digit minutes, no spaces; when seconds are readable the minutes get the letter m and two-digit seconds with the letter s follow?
10h58
